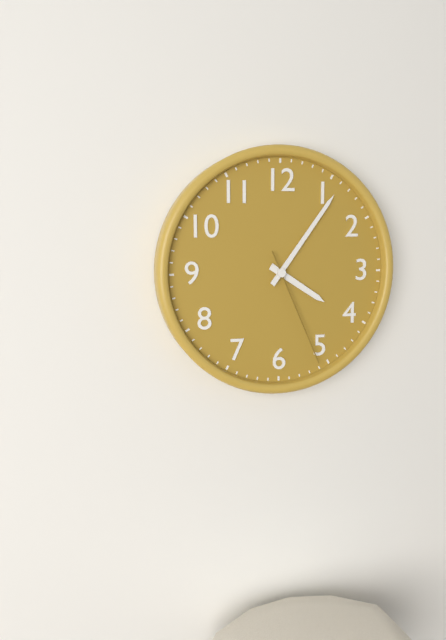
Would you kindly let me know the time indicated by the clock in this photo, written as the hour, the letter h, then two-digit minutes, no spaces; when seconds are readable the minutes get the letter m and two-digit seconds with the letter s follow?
4h06m26s
